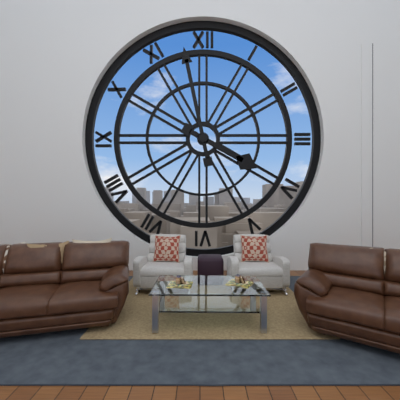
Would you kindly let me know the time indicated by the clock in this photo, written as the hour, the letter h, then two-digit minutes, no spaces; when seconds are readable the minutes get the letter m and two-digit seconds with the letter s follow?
3h58
